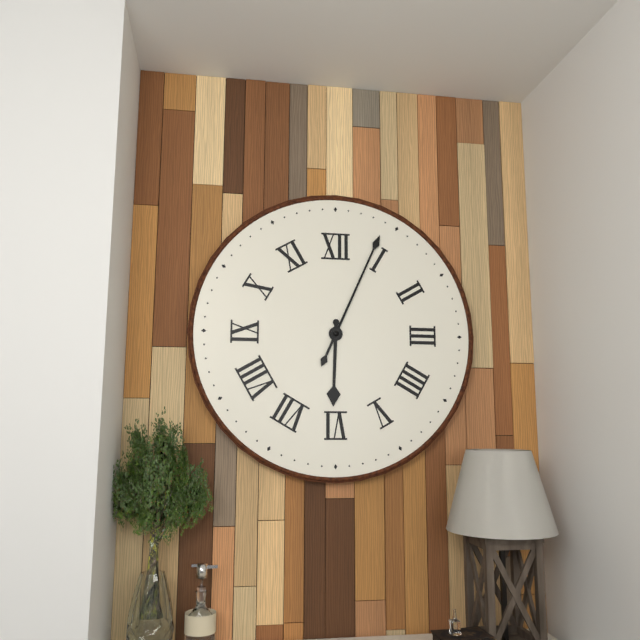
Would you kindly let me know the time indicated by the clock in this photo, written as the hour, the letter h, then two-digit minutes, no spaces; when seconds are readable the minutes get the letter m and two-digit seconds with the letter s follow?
6h04
